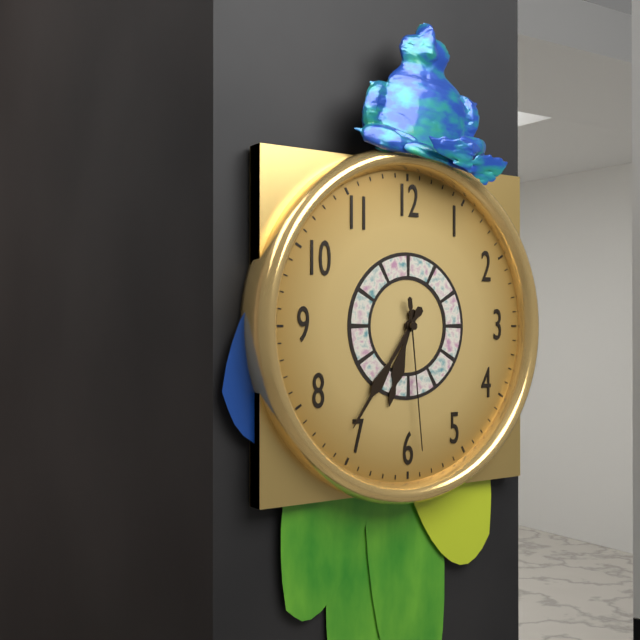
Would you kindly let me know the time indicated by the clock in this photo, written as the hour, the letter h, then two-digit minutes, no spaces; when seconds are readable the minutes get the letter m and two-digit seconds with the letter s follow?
6h36m29s
